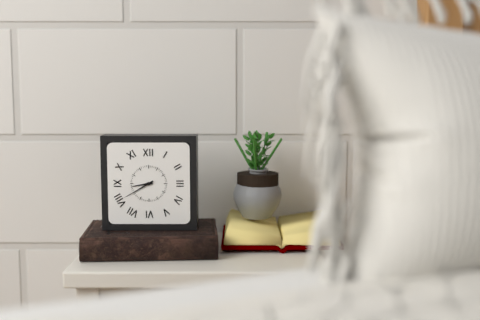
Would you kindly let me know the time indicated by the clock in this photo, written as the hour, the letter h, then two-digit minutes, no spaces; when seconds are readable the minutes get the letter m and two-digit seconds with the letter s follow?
8h40
